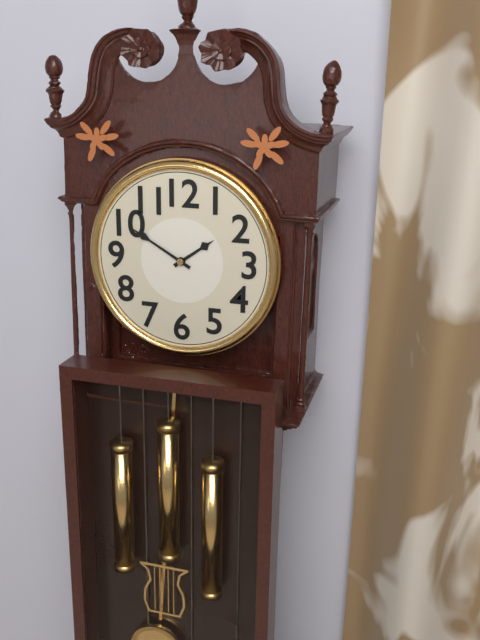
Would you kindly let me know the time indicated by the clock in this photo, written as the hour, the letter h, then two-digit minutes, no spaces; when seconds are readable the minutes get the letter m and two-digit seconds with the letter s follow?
1h50
